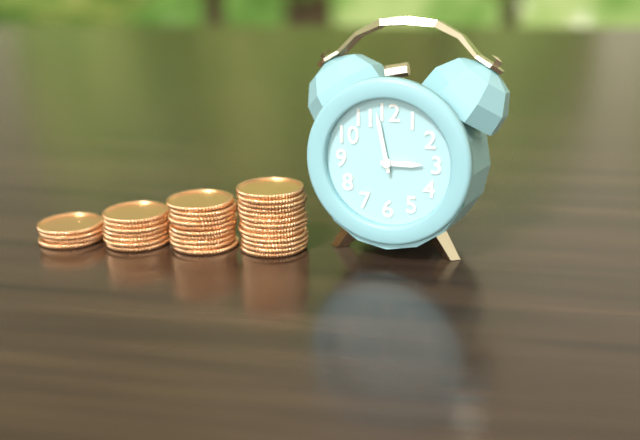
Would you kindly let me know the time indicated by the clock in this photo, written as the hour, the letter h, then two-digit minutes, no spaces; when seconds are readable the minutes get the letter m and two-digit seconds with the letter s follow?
2h58
